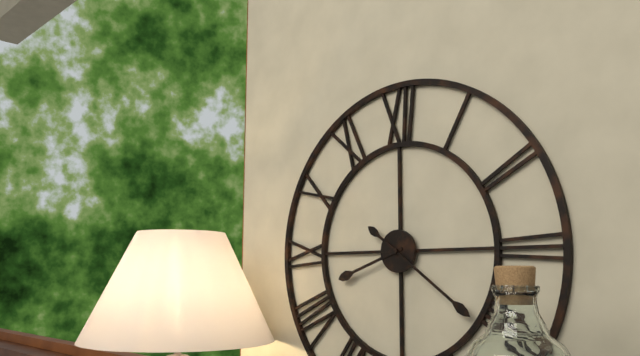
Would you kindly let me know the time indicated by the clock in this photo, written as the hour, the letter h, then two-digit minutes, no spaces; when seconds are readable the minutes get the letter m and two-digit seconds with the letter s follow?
8h21
